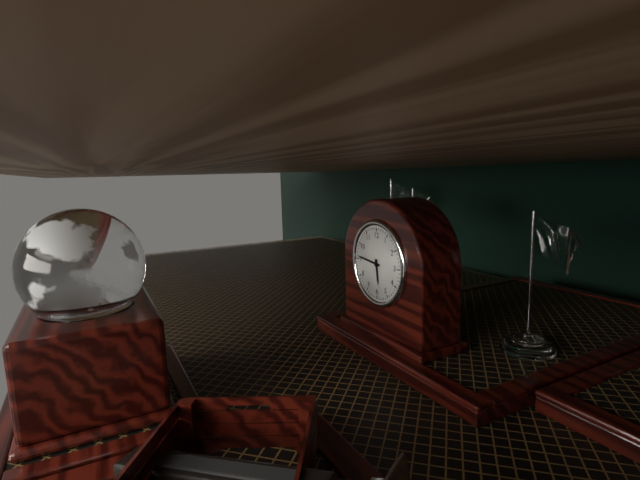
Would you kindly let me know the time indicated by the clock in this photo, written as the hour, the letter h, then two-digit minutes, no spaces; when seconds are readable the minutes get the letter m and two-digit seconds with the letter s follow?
5h46
